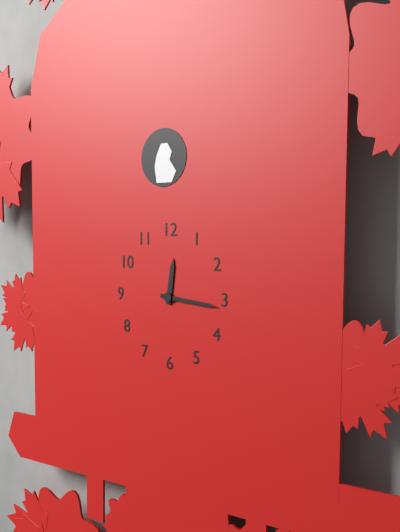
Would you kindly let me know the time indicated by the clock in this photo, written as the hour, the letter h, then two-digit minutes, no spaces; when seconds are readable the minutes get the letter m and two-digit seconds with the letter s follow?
12h16
